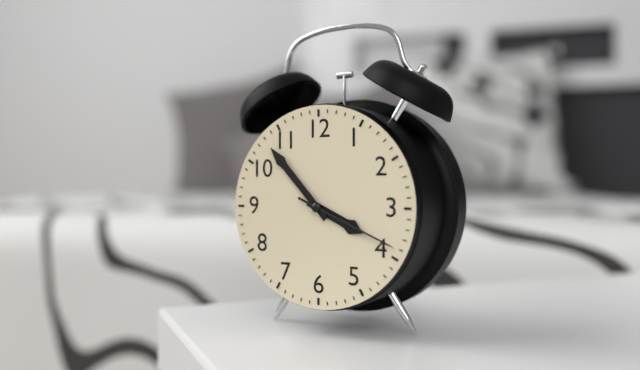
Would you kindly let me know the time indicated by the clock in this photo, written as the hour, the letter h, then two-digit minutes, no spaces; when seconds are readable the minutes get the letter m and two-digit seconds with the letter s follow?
3h53m19s
